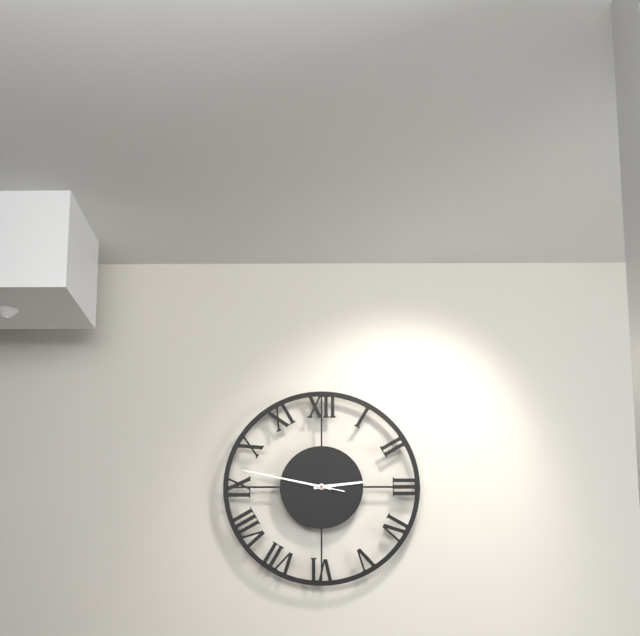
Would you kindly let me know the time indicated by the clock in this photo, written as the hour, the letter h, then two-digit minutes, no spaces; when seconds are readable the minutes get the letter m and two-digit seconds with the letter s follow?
2h47m47s
